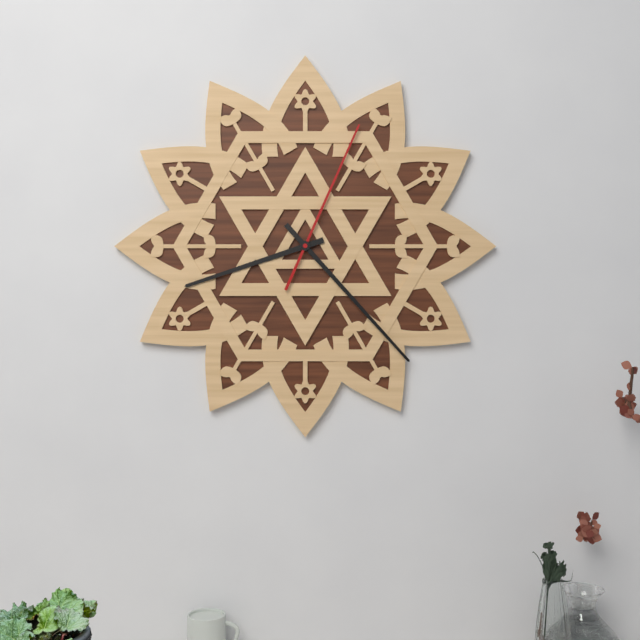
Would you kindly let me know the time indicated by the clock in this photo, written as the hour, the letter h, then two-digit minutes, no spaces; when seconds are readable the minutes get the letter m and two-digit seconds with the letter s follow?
8h23m04s
